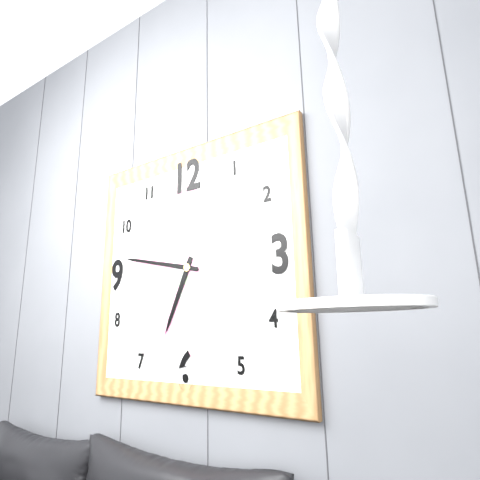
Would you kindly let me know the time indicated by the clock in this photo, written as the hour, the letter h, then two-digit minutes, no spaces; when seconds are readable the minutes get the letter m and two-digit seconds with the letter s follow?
6h47
